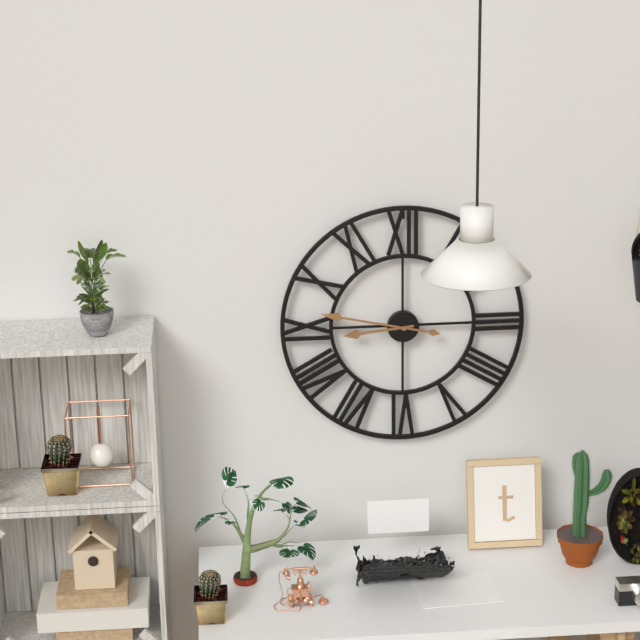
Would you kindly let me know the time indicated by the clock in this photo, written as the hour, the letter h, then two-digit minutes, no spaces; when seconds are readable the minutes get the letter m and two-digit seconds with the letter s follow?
8h47
